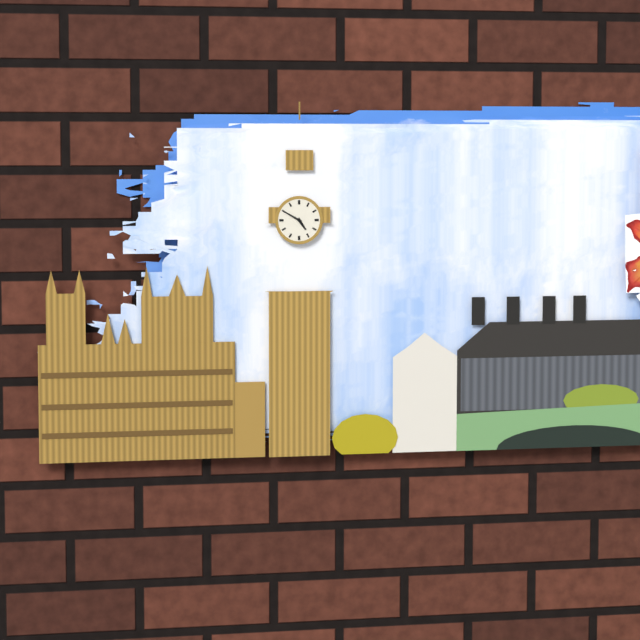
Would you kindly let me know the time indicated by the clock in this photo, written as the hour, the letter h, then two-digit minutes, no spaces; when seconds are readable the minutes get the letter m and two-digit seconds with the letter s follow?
4h50
